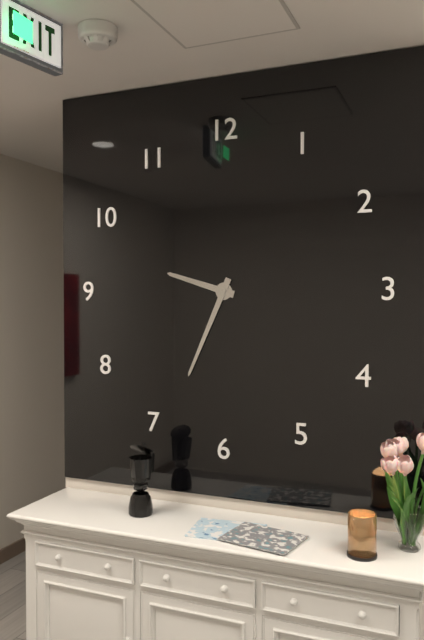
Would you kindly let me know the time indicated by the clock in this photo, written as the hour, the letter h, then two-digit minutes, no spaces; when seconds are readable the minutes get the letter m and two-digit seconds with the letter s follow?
9h34
